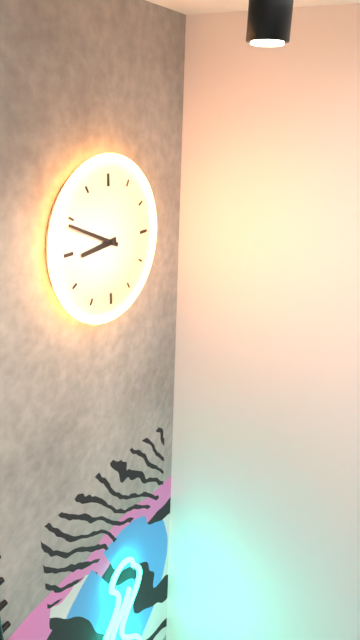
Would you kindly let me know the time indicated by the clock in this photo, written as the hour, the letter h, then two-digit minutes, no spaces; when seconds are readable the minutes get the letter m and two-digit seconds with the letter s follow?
8h49
